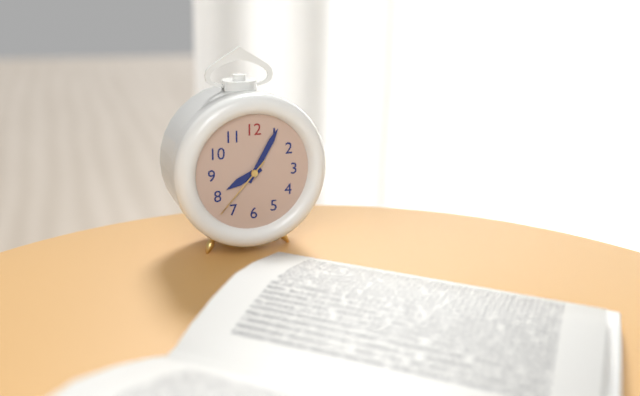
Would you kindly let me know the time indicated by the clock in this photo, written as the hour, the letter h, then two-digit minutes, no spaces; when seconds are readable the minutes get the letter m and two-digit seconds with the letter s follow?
8h05m37s
